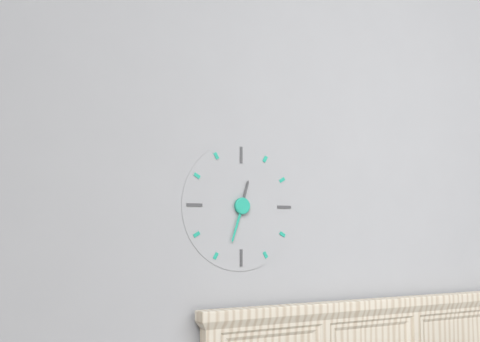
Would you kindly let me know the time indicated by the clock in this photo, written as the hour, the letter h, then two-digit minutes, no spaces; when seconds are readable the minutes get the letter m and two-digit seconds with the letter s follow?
12h33
